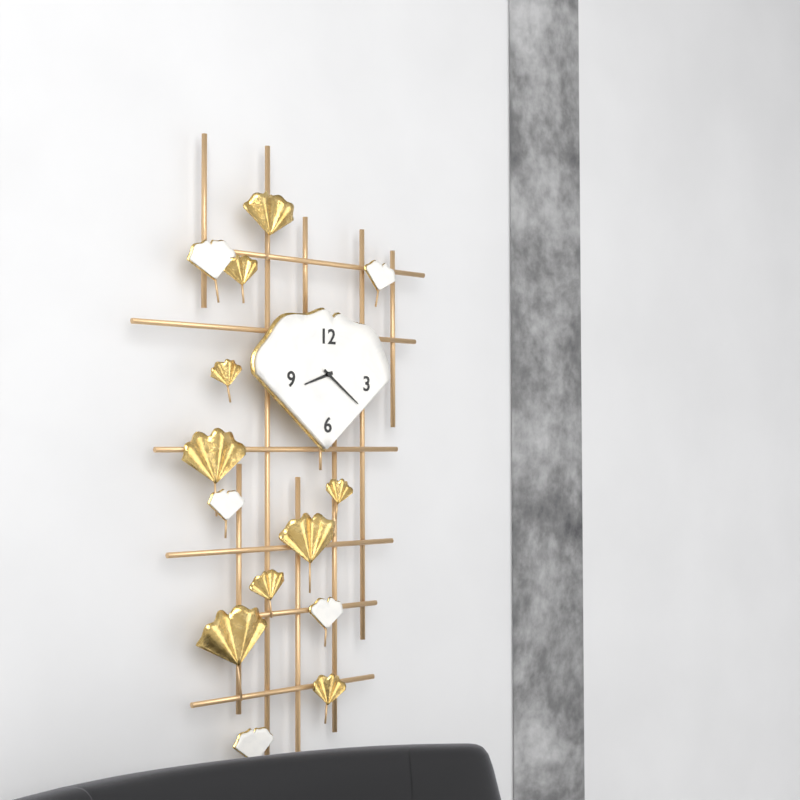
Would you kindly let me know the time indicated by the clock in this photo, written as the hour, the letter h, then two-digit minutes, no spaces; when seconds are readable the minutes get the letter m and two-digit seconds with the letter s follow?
8h21
